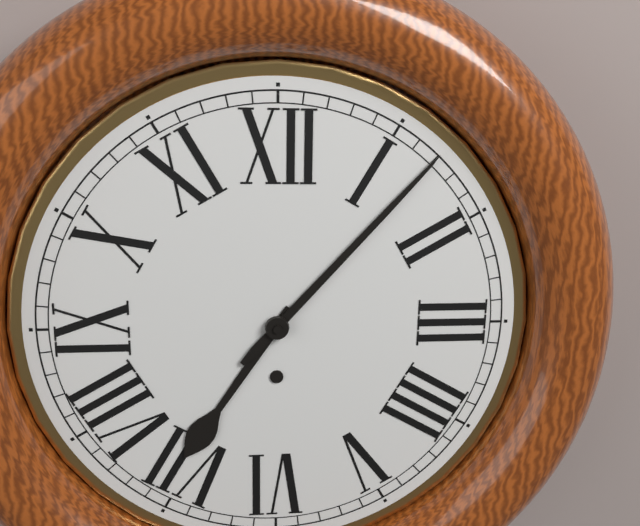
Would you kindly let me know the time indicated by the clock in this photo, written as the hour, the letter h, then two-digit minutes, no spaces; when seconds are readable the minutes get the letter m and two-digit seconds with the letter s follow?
7h07
